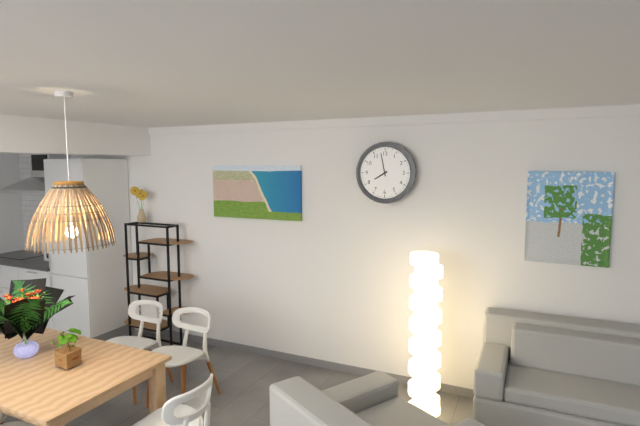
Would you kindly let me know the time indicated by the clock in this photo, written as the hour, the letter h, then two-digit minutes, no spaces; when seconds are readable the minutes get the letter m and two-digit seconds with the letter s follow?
7h58
